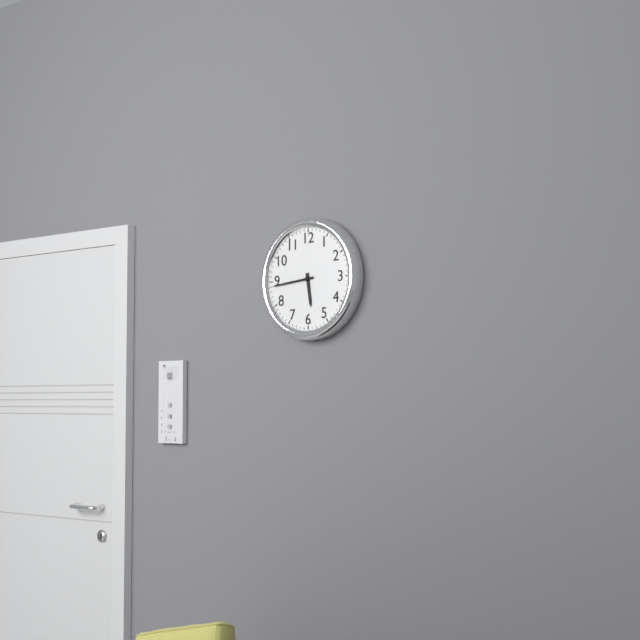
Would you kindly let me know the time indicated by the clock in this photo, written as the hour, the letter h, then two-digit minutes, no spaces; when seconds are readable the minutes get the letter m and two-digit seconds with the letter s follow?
5h44
